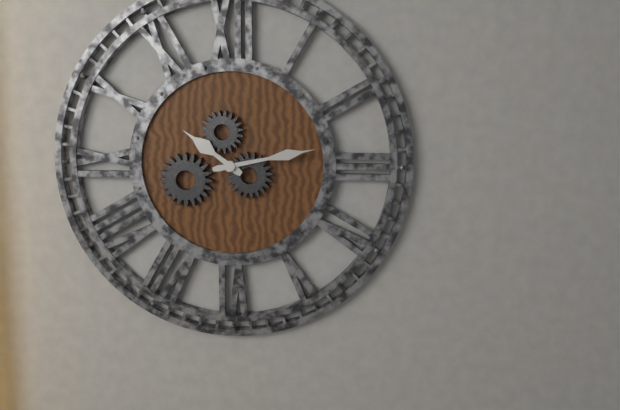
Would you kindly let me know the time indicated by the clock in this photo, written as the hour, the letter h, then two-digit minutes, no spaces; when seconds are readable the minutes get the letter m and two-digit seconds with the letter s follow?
10h13
